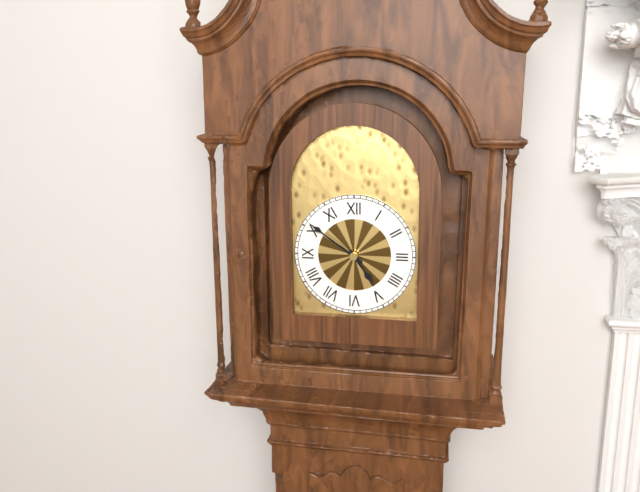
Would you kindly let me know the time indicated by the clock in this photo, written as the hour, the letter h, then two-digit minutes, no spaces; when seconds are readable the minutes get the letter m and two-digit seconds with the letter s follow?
4h51
